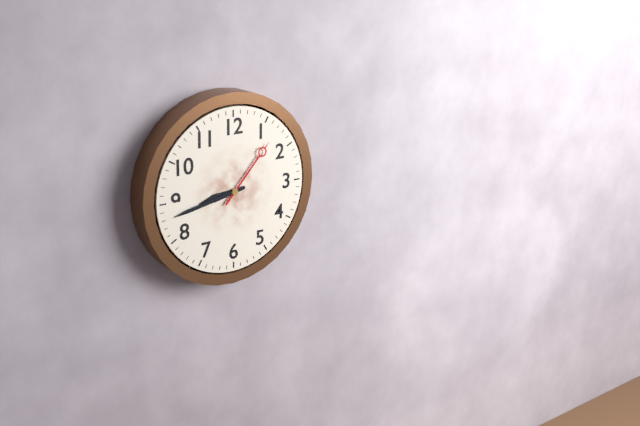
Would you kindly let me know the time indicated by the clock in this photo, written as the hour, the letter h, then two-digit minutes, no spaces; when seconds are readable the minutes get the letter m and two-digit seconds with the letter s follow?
8h43m07s
